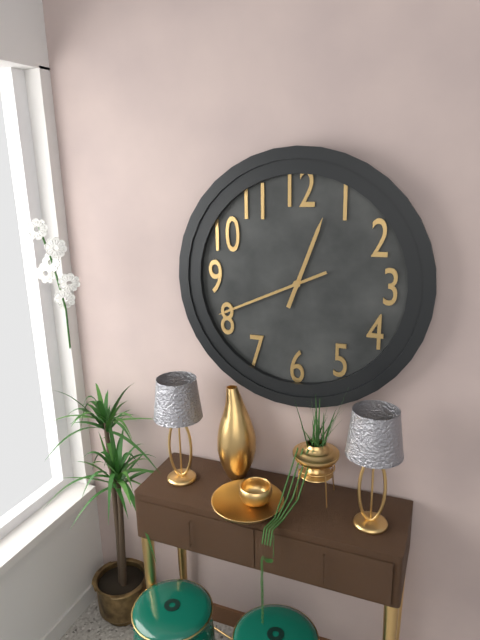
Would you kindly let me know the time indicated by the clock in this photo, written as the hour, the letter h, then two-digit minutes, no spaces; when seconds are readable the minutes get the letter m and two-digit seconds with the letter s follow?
12h41
